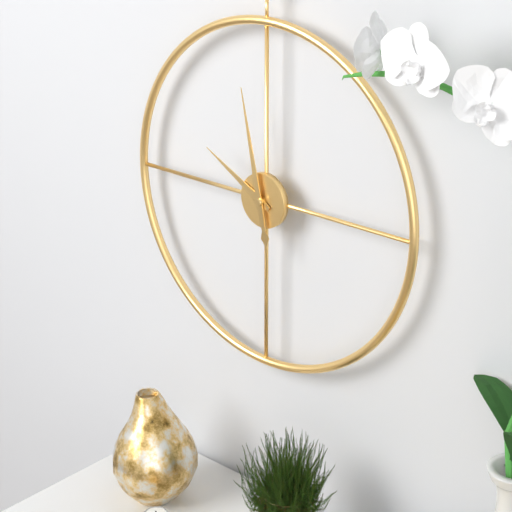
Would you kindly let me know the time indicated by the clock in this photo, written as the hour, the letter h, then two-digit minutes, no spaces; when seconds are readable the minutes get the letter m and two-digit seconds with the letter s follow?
9h58
